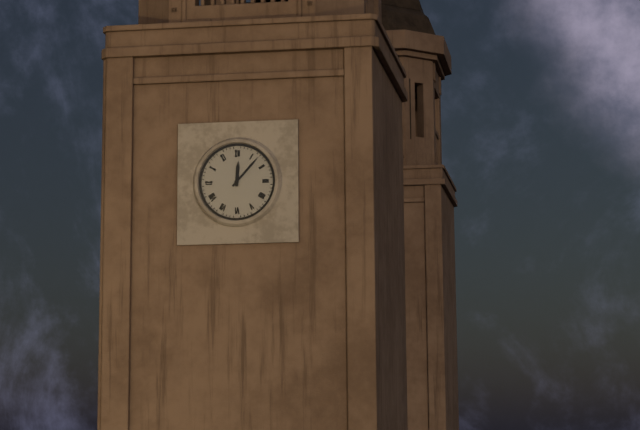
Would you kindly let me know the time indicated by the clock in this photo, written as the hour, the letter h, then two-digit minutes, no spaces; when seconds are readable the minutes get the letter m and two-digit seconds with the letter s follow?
12h07
